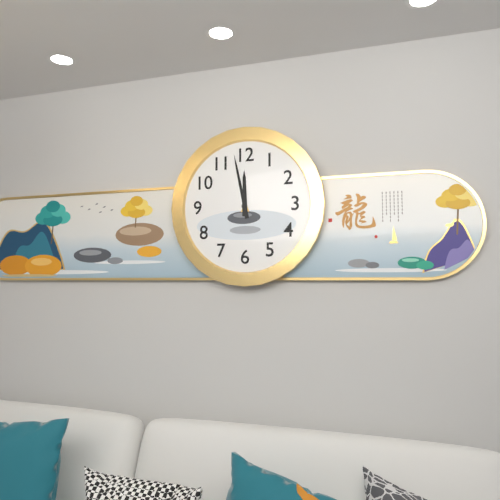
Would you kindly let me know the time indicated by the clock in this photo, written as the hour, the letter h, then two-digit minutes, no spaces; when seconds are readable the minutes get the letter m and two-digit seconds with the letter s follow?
11h58
